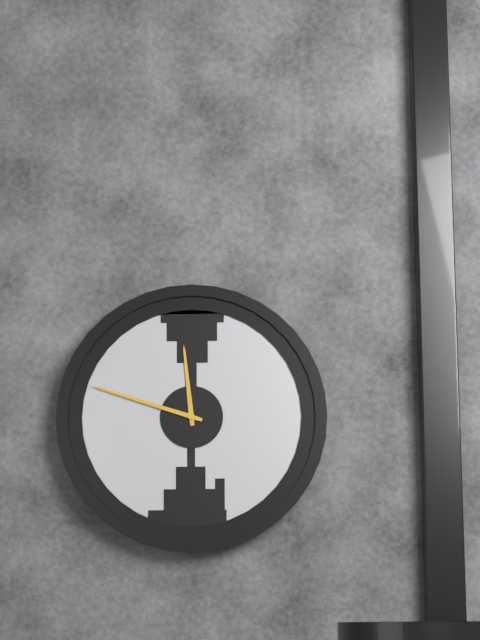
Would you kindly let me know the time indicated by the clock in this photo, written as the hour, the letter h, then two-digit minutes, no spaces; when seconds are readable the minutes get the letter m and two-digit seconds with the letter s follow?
11h48
